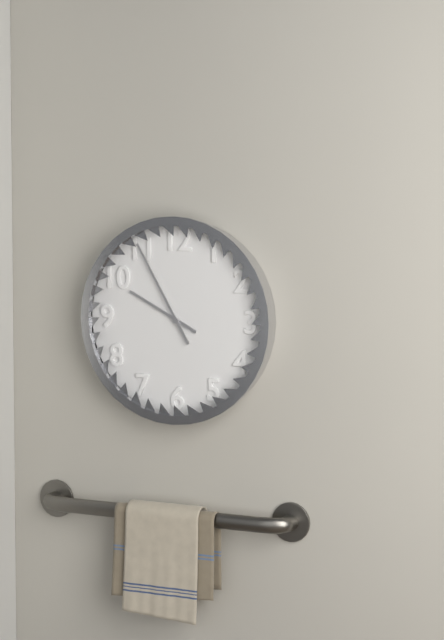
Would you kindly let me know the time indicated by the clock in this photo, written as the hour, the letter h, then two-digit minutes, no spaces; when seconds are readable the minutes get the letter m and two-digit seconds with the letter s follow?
9h55
